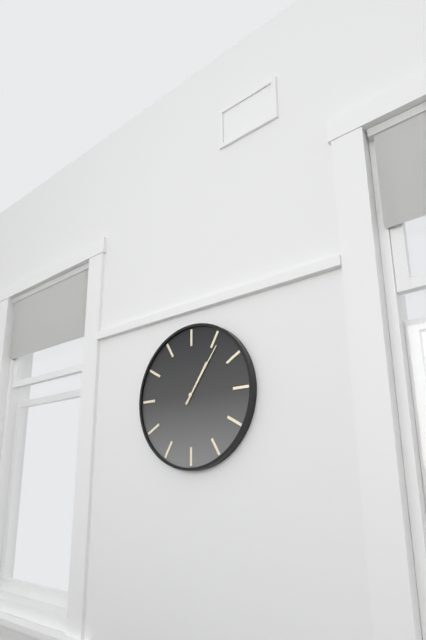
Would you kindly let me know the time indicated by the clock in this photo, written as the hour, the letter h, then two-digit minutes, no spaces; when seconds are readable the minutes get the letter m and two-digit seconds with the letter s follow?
1h06
